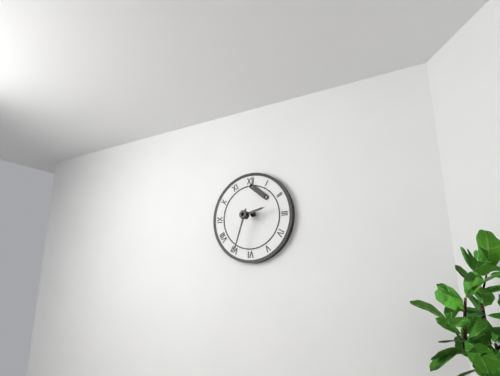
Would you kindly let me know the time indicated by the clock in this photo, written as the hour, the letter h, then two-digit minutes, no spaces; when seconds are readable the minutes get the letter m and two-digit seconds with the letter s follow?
2h33
